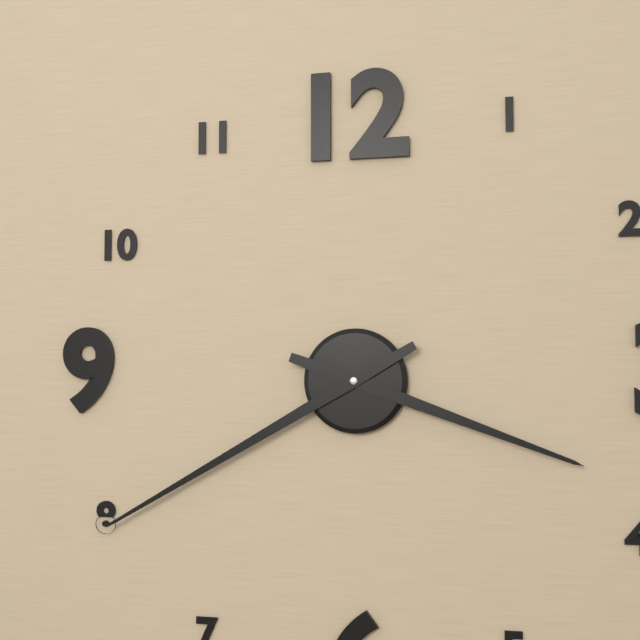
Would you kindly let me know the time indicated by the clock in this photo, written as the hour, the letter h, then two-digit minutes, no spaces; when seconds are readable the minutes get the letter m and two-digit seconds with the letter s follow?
3h40
